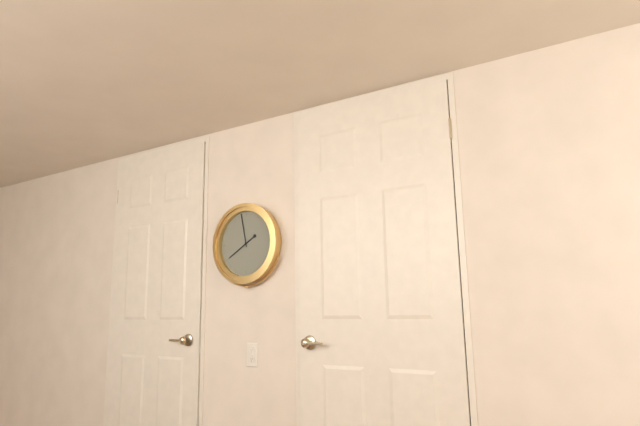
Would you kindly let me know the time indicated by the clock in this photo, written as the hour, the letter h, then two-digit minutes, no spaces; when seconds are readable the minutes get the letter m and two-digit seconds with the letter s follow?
7h58
